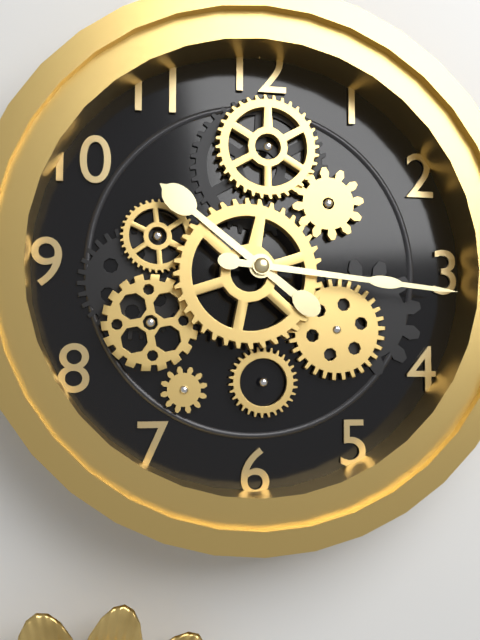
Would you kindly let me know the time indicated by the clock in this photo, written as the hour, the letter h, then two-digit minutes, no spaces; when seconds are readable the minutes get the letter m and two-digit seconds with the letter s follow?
10h16
